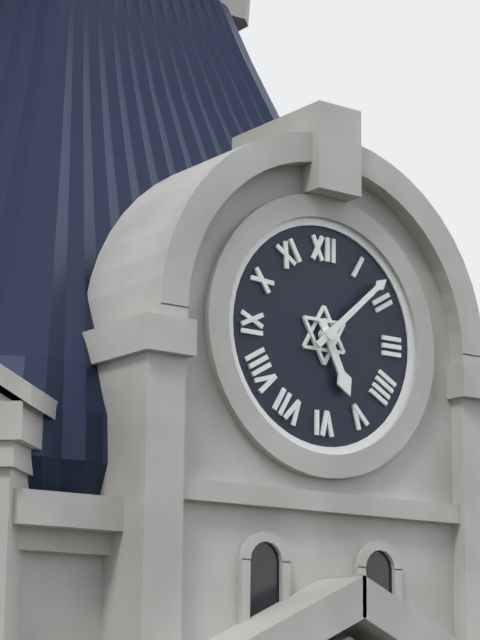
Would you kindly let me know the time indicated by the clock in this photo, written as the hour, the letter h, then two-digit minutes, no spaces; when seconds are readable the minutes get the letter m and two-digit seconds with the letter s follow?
5h08
